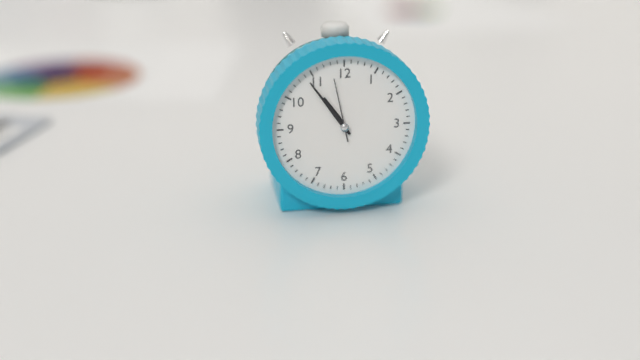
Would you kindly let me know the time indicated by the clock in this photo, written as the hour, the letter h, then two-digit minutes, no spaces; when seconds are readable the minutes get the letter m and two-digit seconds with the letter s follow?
10h54m58s
